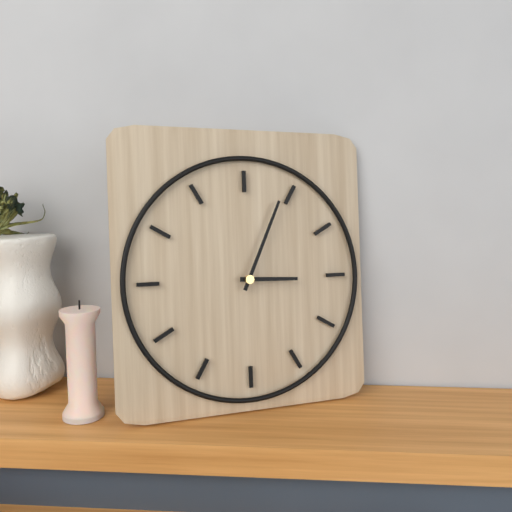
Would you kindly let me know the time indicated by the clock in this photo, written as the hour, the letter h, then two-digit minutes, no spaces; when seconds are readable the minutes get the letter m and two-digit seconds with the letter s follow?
3h04
